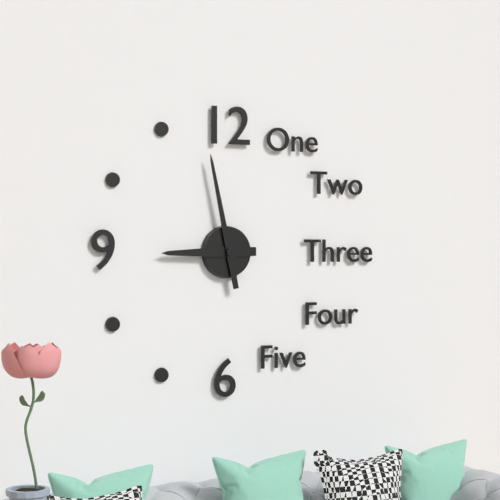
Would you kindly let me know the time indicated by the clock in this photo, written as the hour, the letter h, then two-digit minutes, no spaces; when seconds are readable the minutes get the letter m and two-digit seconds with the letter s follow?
8h58
